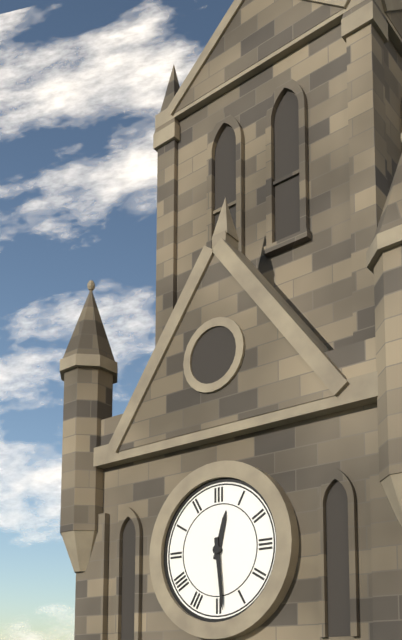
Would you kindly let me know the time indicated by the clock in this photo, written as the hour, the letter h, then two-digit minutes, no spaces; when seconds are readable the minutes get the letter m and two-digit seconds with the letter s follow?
12h29
